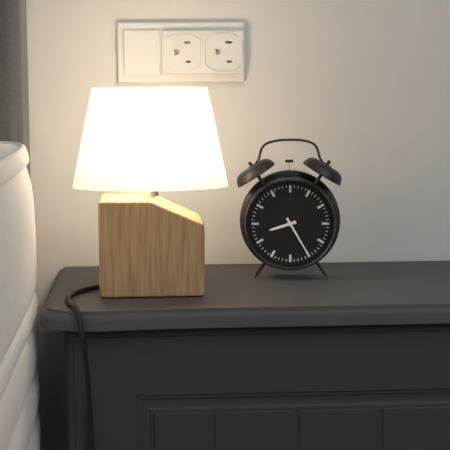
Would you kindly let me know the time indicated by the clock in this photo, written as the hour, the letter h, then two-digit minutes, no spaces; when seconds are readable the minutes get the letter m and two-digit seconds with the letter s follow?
8h25
